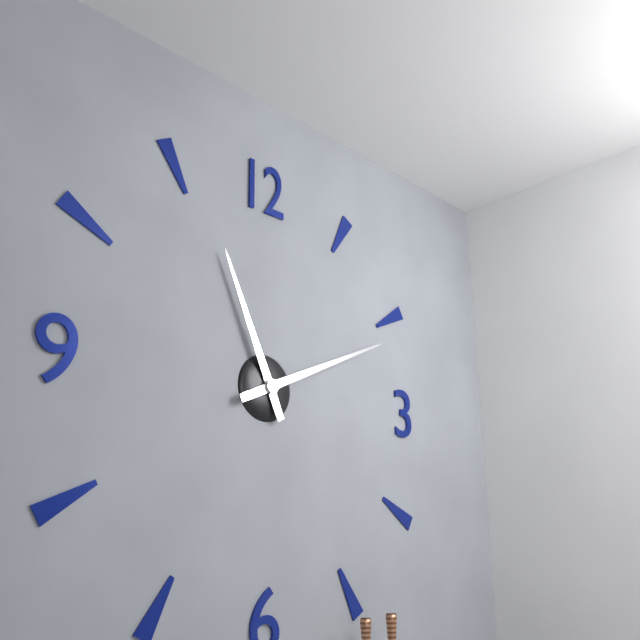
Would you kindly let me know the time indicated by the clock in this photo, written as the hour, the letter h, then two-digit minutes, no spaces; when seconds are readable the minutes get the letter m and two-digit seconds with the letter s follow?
11h11
